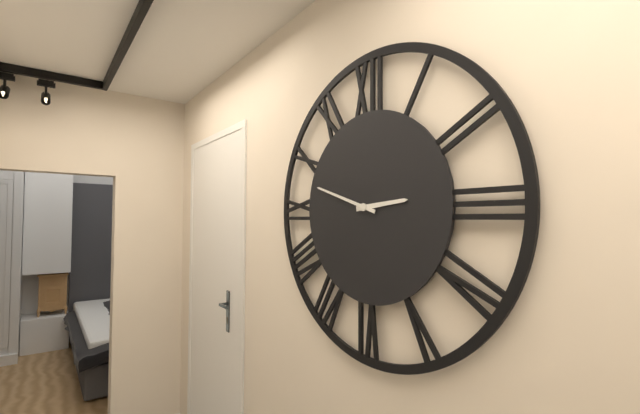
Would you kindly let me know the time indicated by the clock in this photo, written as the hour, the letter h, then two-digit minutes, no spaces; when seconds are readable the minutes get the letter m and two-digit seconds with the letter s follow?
2h48
